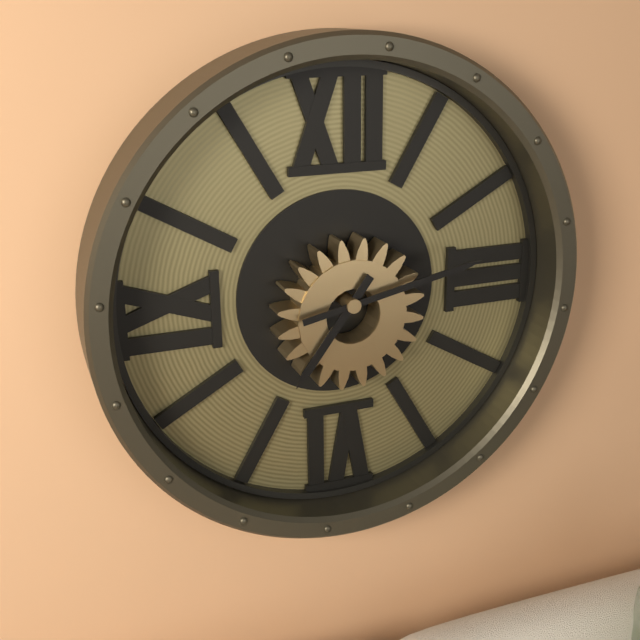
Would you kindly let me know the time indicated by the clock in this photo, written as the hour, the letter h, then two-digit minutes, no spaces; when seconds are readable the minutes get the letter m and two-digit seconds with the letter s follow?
7h13
